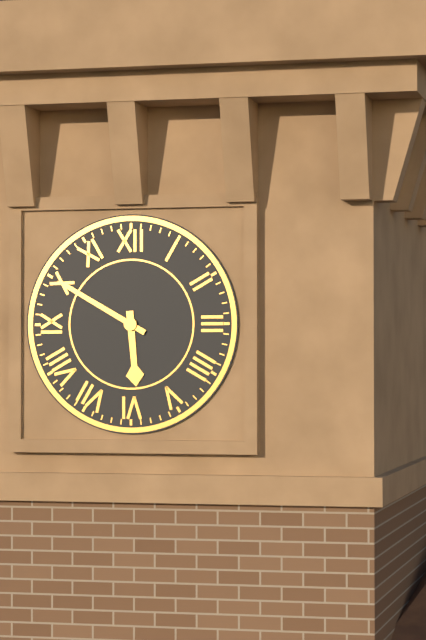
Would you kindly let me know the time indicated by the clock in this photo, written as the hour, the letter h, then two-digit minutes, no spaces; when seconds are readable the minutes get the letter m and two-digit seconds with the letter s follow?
5h50
